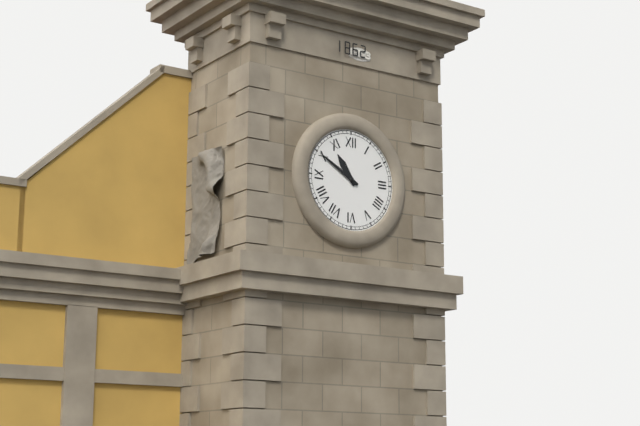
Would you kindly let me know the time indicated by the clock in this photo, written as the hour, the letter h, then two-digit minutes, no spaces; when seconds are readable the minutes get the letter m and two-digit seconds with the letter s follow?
10h50
